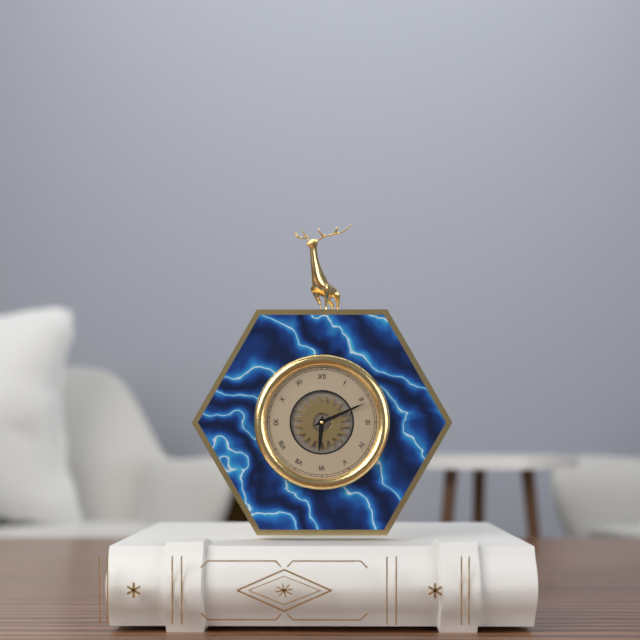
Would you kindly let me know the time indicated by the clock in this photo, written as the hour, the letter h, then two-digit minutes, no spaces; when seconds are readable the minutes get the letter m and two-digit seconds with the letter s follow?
6h11
